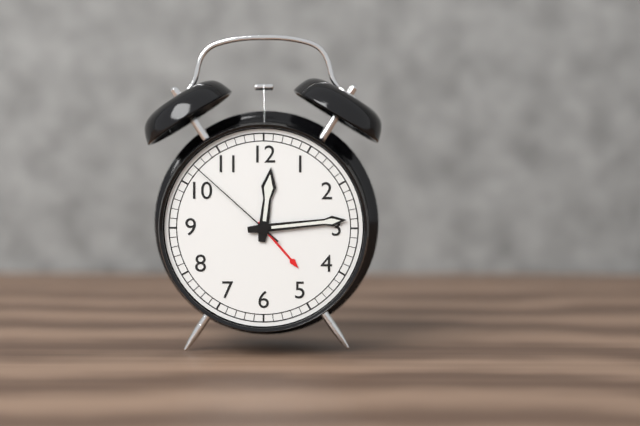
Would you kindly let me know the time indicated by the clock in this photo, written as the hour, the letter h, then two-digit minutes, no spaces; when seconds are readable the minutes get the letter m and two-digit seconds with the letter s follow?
12h14m52s
